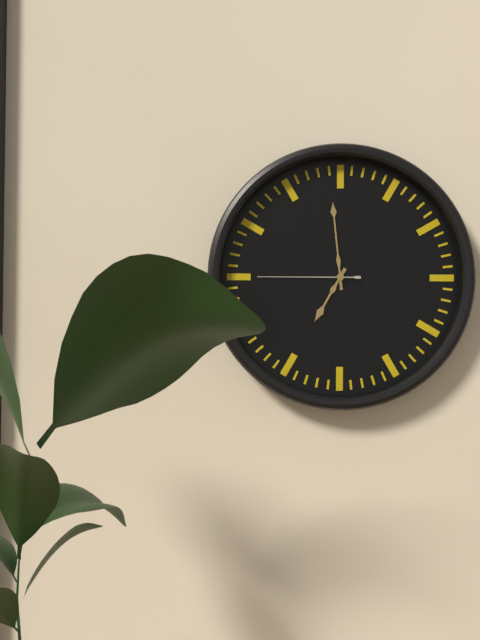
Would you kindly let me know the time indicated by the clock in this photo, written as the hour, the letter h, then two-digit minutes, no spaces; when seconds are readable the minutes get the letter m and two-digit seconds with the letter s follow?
6h59m45s
